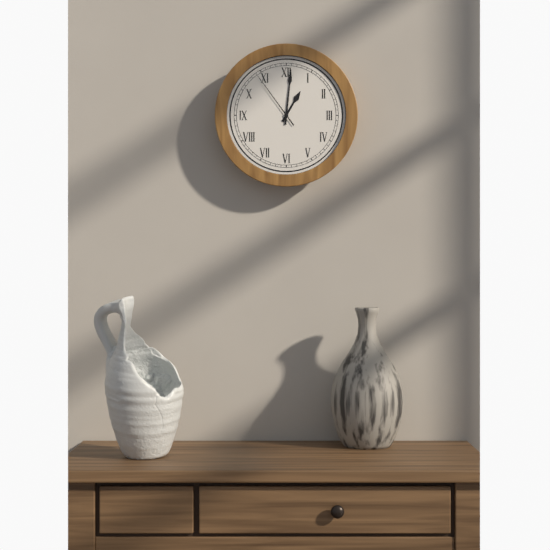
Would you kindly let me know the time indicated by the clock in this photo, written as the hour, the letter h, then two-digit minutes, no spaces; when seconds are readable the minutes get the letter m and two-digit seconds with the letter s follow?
1h01m54s
